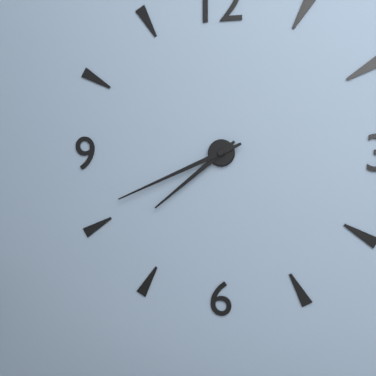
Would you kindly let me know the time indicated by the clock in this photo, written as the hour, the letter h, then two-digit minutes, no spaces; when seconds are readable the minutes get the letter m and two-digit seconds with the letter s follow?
7h41
